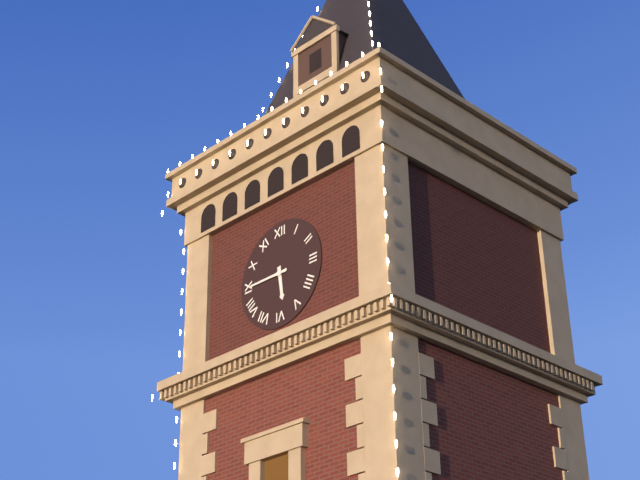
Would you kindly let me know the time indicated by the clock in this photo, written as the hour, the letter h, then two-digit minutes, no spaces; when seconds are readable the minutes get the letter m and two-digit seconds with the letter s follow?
5h45
